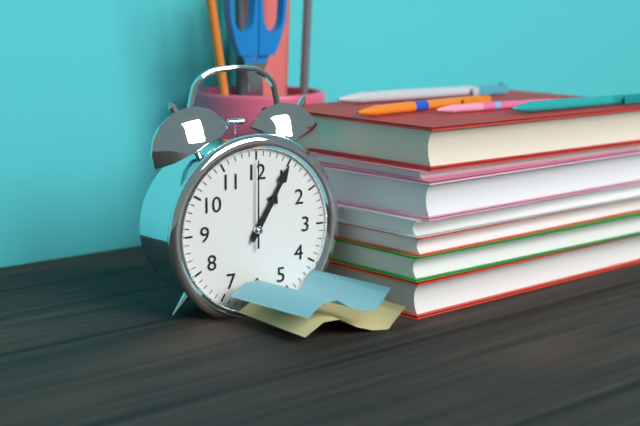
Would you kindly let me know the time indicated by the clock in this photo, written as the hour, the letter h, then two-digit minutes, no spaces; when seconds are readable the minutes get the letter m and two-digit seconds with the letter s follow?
1h05m00s
